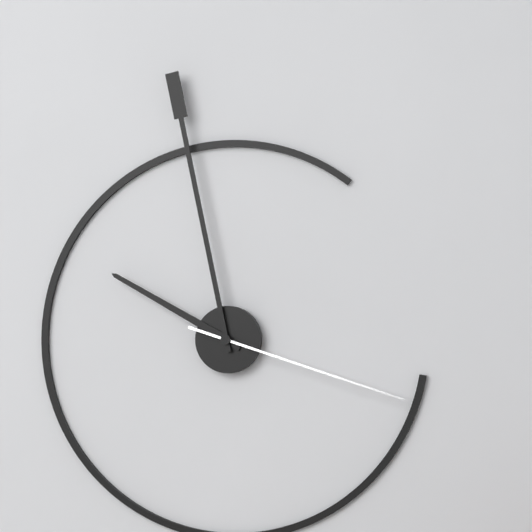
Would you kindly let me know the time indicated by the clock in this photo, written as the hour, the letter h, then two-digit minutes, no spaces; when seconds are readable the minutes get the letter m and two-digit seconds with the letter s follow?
9h58m18s
